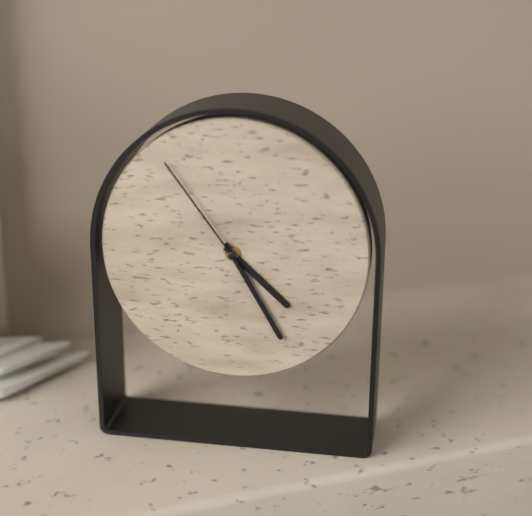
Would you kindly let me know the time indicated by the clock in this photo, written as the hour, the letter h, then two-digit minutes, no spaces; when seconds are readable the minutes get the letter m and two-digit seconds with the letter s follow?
4h25m54s
